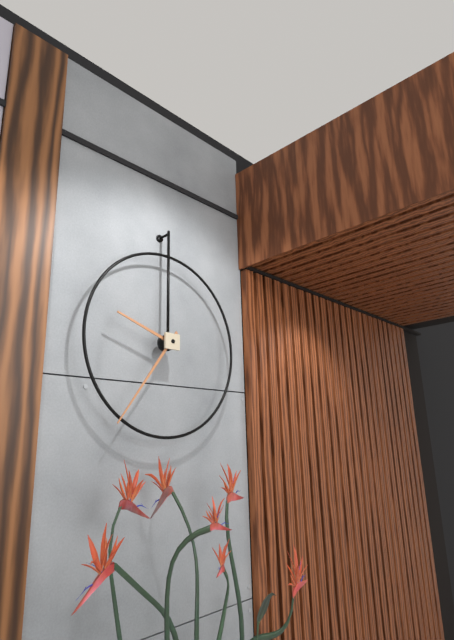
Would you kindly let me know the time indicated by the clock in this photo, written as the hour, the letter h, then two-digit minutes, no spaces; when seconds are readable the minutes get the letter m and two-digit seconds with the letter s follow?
9h36
